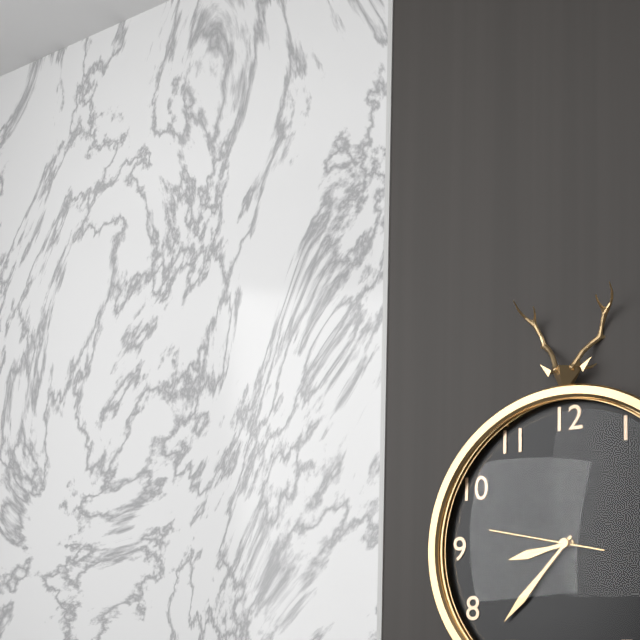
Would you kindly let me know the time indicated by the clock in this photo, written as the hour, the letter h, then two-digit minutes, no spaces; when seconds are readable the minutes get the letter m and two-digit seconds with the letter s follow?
8h37m47s
